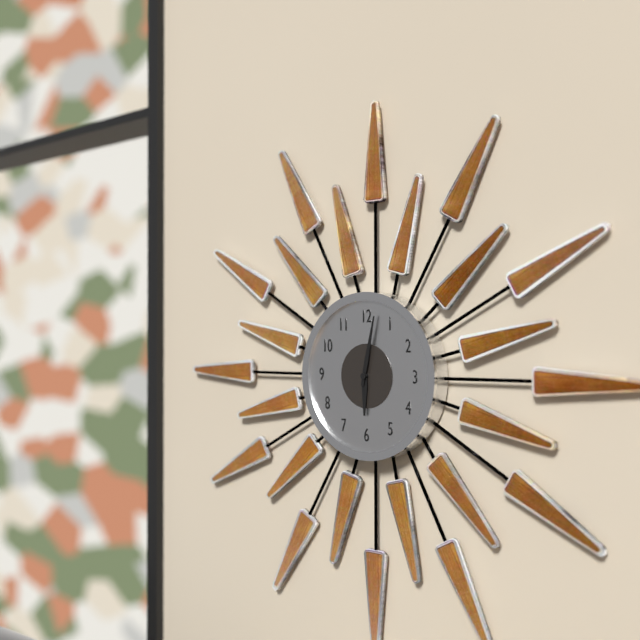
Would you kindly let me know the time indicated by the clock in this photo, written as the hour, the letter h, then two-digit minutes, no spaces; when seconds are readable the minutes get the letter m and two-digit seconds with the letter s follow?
6h02
